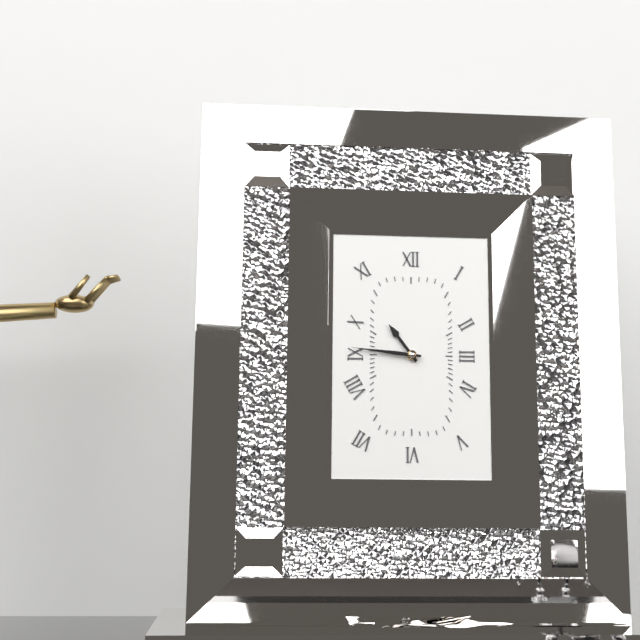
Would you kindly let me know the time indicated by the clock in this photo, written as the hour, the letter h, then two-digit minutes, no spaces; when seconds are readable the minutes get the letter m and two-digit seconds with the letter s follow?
10h46
